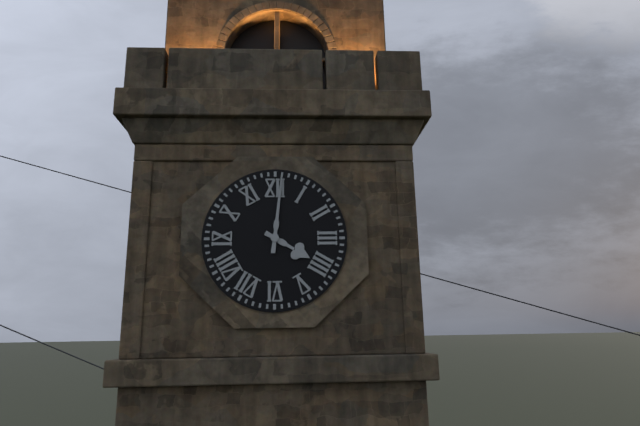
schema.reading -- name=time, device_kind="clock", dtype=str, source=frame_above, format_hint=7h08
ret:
4h01
